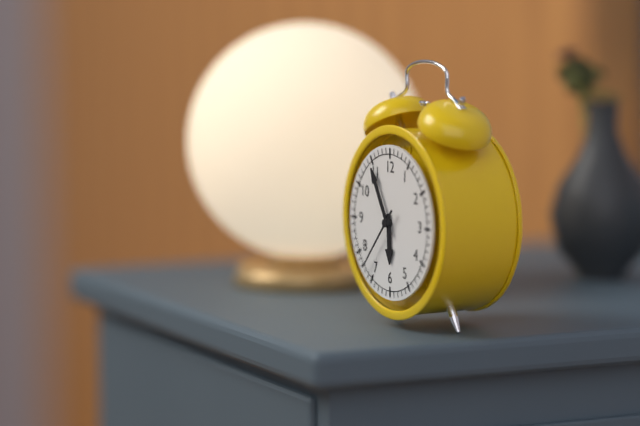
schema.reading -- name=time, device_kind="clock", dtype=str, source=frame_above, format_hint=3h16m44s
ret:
5h55m37s
